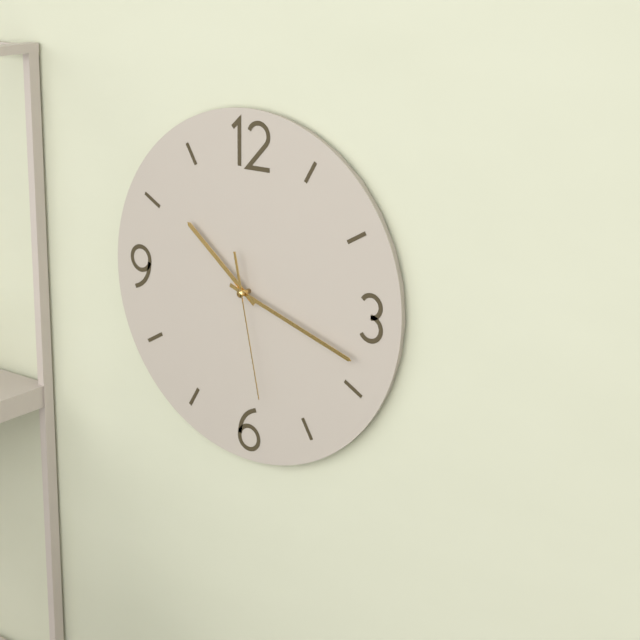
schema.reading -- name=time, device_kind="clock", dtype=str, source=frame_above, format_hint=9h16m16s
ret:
10h18m28s
